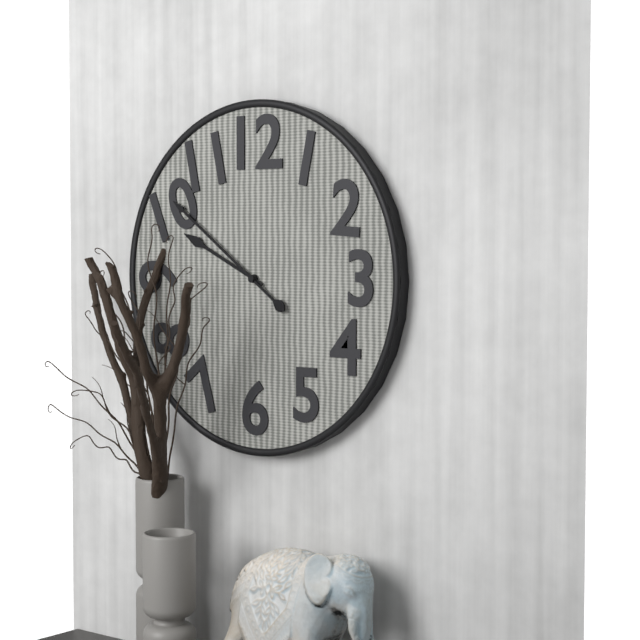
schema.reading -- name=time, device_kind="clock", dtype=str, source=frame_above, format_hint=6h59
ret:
9h51
